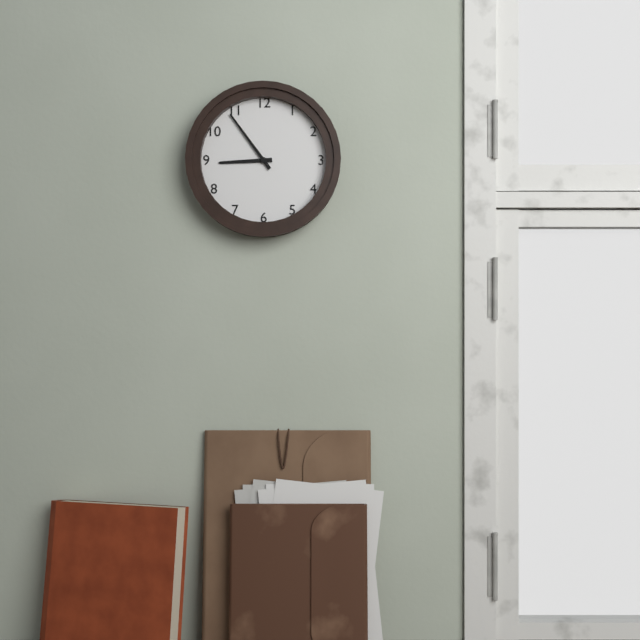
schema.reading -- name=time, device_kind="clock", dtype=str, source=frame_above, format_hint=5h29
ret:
8h54
